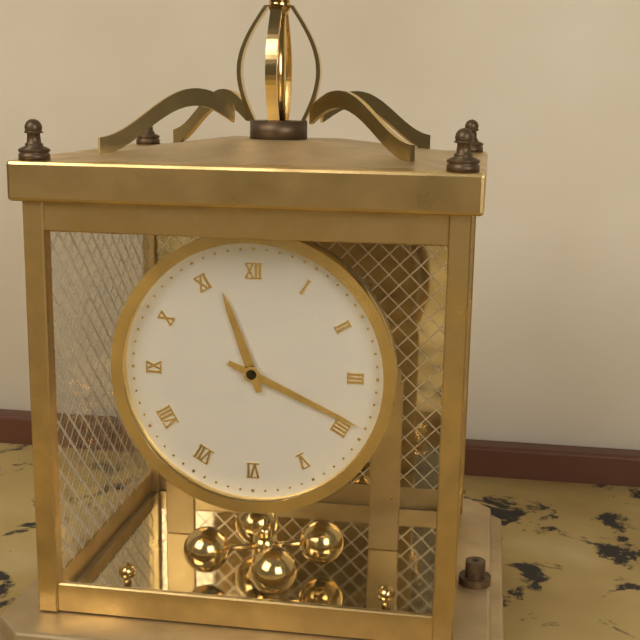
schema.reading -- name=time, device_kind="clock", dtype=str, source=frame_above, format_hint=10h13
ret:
11h19
